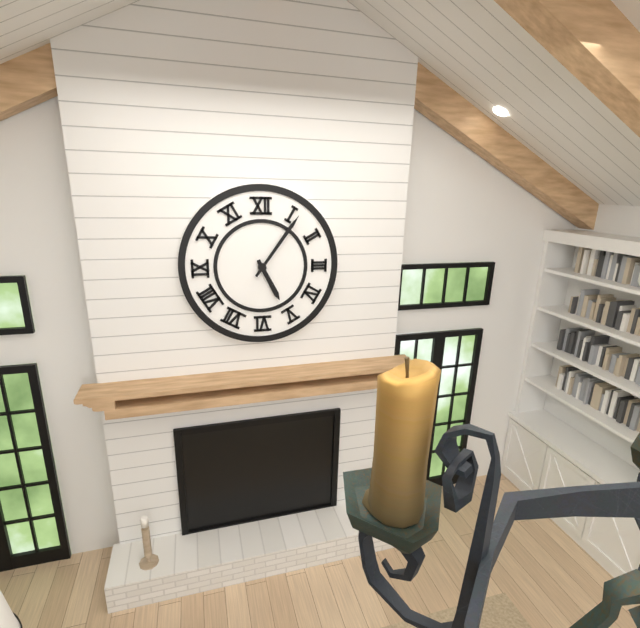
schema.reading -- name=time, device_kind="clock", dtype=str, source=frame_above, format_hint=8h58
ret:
5h06
